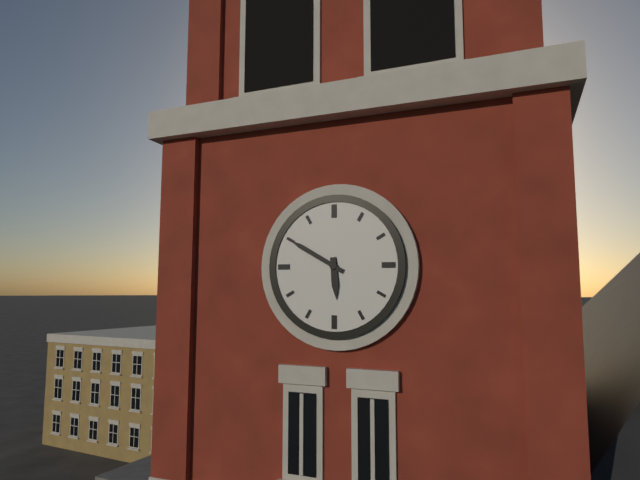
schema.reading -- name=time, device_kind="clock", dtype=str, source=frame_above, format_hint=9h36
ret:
5h50
